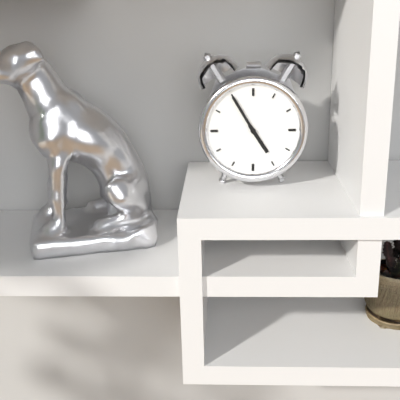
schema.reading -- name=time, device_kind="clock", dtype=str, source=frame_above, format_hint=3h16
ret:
4h55
